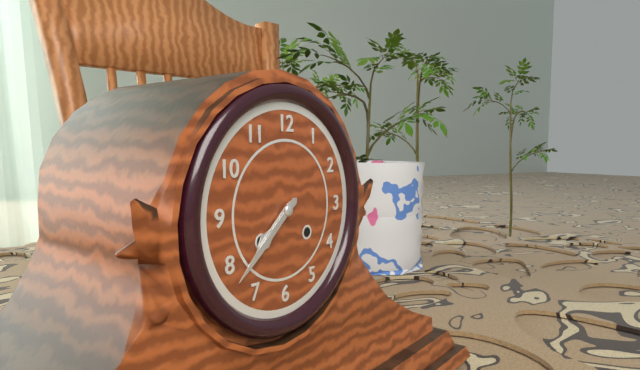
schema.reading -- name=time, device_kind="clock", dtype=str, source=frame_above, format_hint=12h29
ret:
7h38
